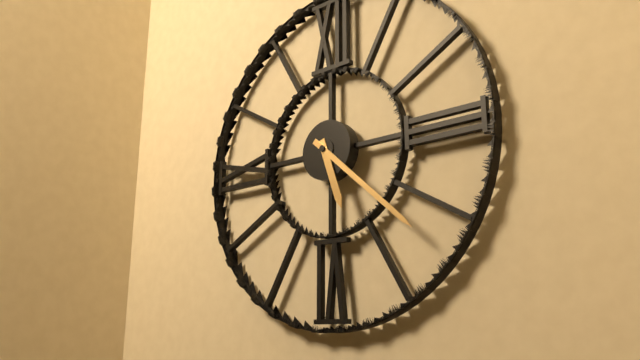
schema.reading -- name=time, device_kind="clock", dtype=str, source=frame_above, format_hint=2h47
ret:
5h22
